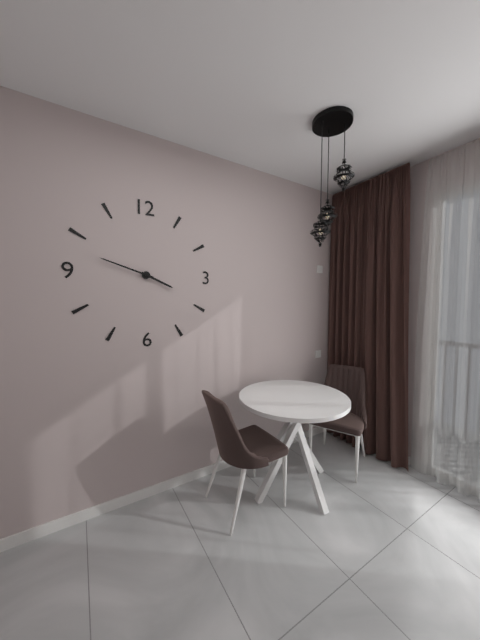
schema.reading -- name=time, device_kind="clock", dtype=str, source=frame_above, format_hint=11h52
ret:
3h48
